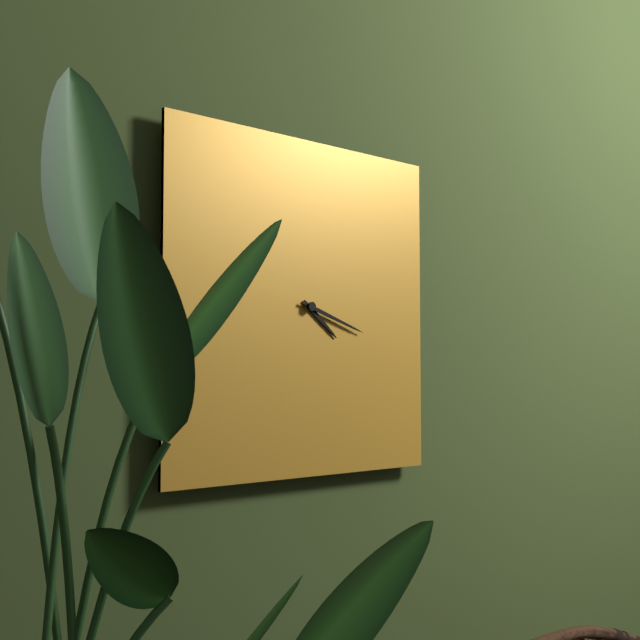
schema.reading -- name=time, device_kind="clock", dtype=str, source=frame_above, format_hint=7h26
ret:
4h18
